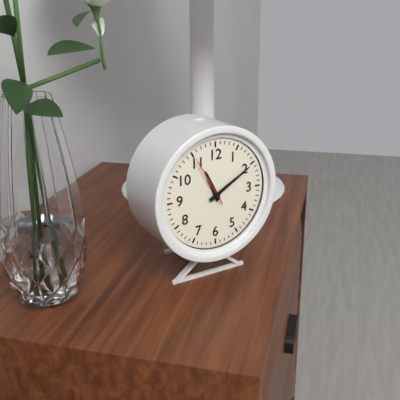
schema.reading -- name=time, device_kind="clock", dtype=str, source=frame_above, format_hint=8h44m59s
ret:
11h10m55s
